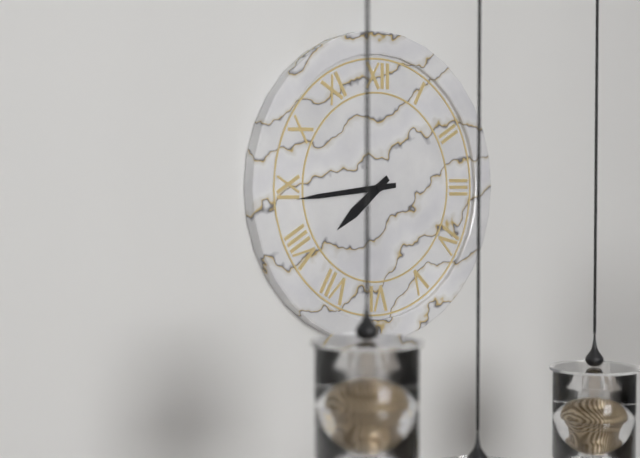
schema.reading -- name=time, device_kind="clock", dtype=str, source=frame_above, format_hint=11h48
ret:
7h44
